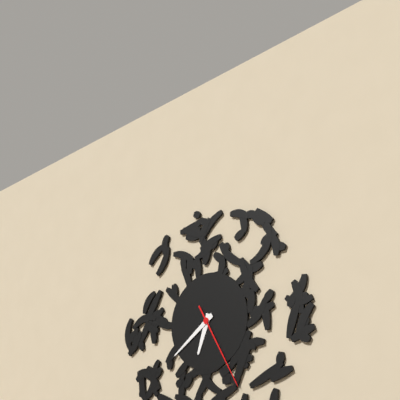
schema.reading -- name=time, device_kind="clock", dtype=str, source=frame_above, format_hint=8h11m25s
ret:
6h39m25s
